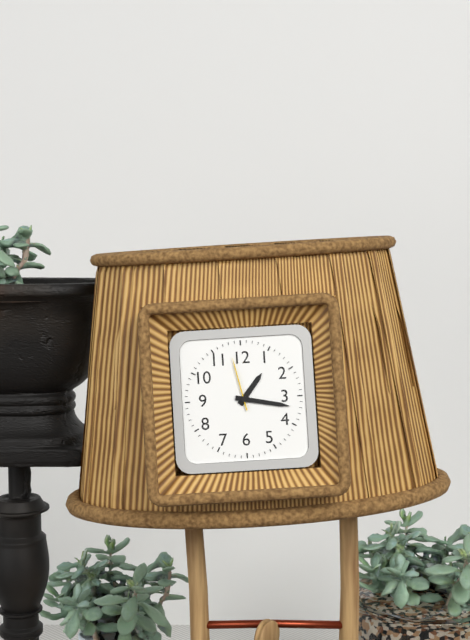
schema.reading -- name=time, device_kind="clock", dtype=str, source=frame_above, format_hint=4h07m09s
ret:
1h17m58s
